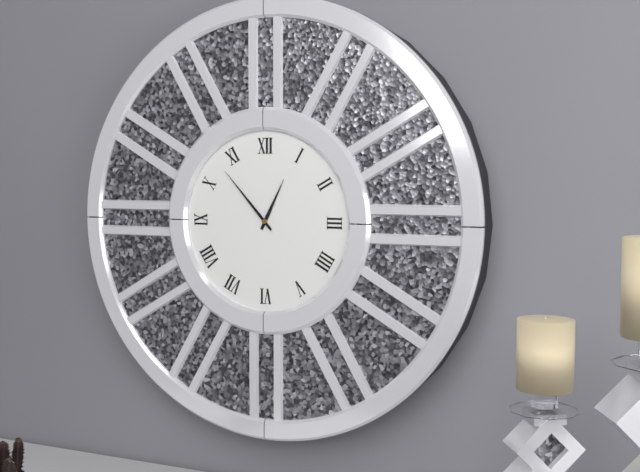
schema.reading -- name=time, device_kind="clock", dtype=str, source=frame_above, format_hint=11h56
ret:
12h53
